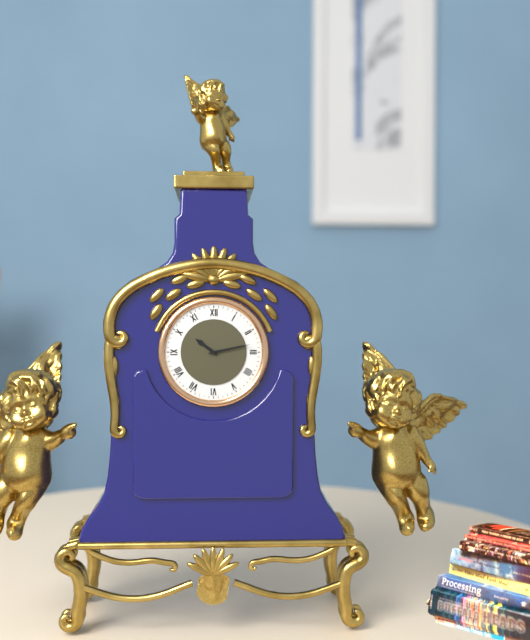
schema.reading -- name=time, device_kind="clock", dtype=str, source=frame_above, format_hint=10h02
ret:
10h13
